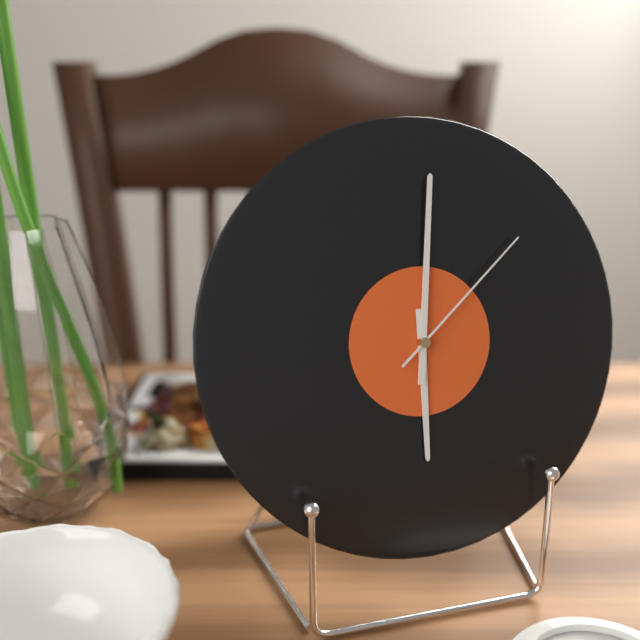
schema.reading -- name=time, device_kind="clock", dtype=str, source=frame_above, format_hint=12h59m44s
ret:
6h01m08s
